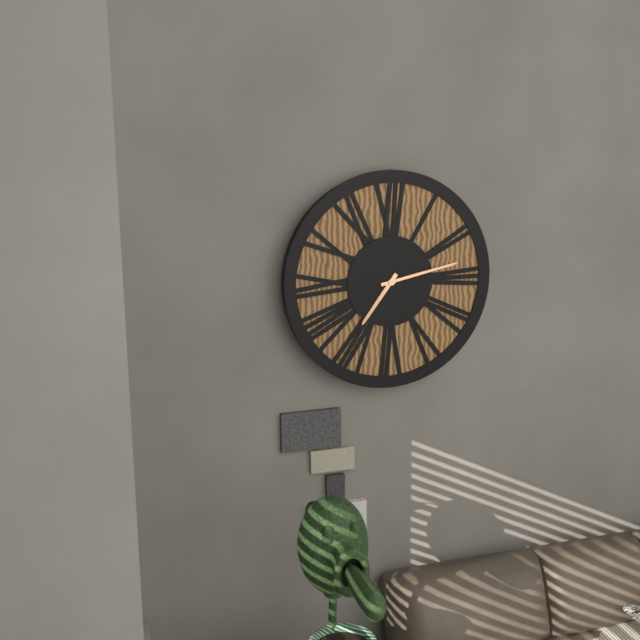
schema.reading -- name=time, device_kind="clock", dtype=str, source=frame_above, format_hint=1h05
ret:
7h13
